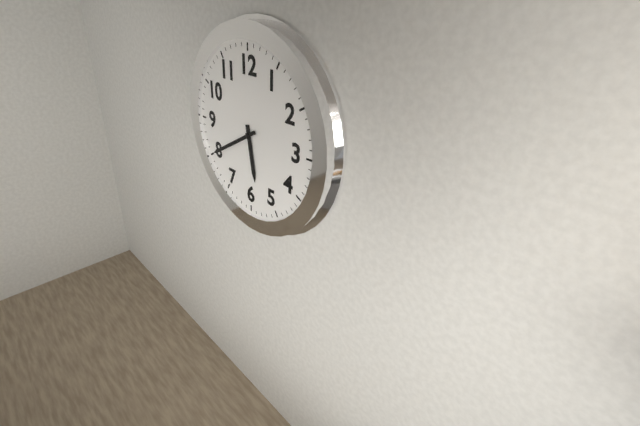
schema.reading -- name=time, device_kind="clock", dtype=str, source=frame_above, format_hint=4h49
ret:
5h40
